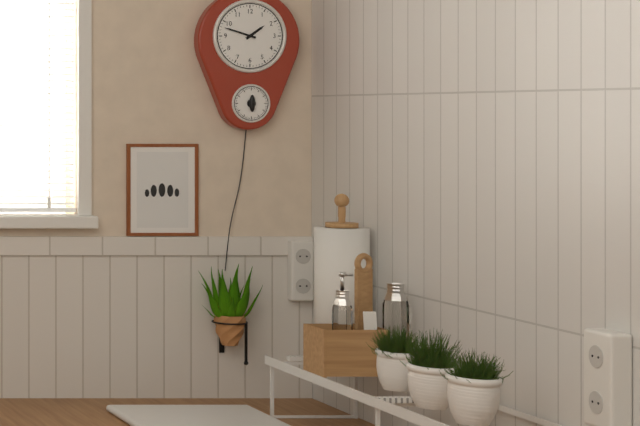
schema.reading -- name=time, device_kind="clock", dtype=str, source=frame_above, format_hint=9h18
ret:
1h48
